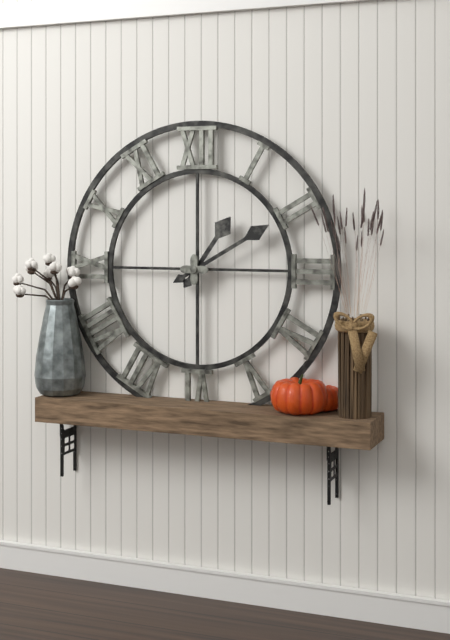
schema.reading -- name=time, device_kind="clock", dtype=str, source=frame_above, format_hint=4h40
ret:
1h10
